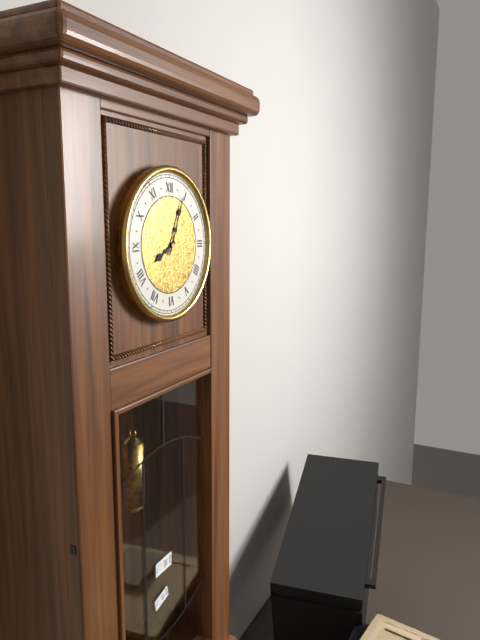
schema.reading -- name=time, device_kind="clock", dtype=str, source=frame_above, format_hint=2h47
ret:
8h04
